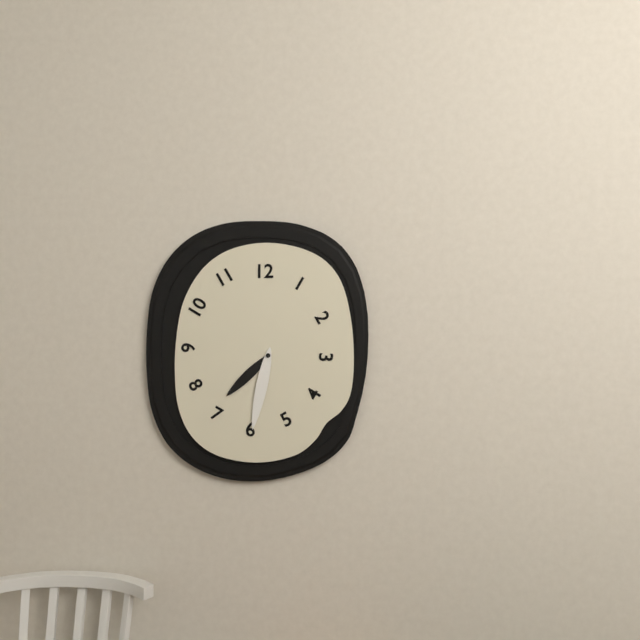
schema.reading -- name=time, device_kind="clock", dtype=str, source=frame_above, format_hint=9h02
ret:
7h32
